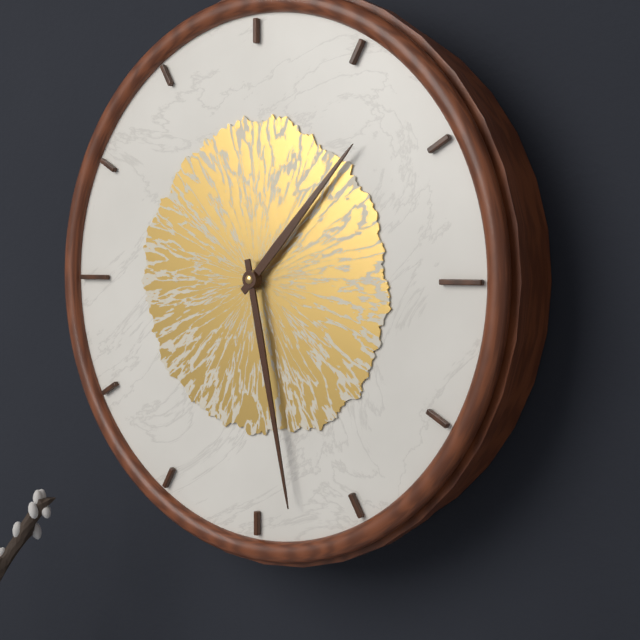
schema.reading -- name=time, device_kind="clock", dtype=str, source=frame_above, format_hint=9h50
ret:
1h28
